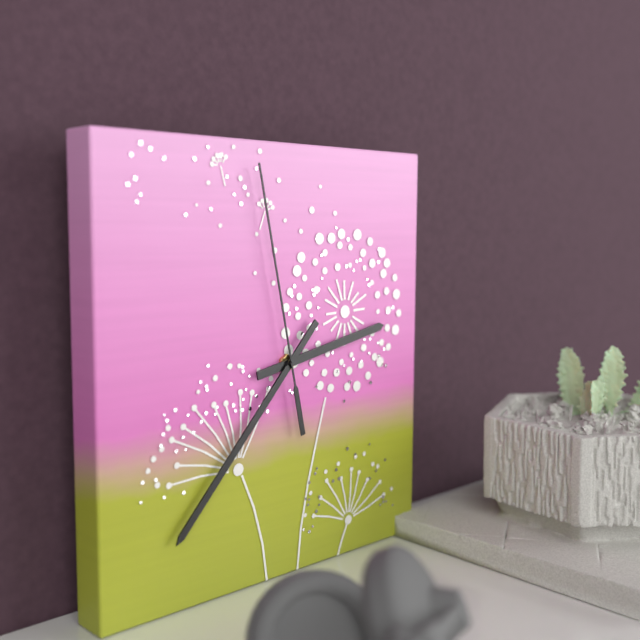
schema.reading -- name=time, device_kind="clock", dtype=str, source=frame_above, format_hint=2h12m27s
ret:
2h37m58s
